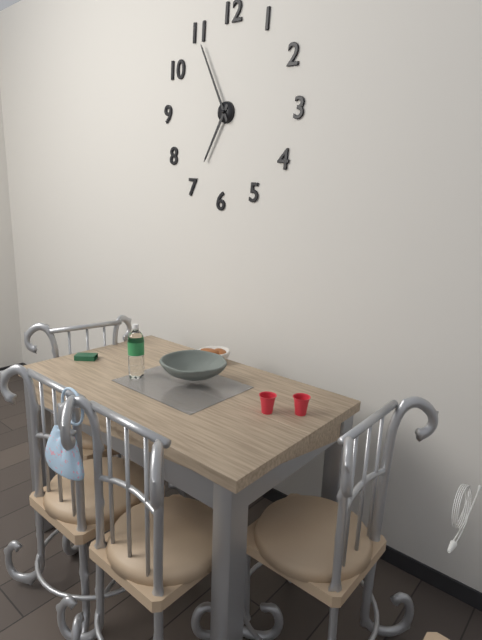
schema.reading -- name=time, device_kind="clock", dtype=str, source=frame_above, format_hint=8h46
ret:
6h55
